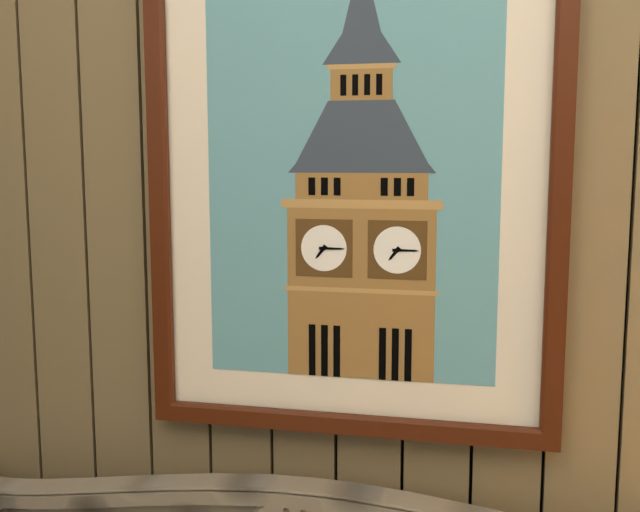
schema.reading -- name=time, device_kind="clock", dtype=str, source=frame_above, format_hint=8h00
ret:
7h15
